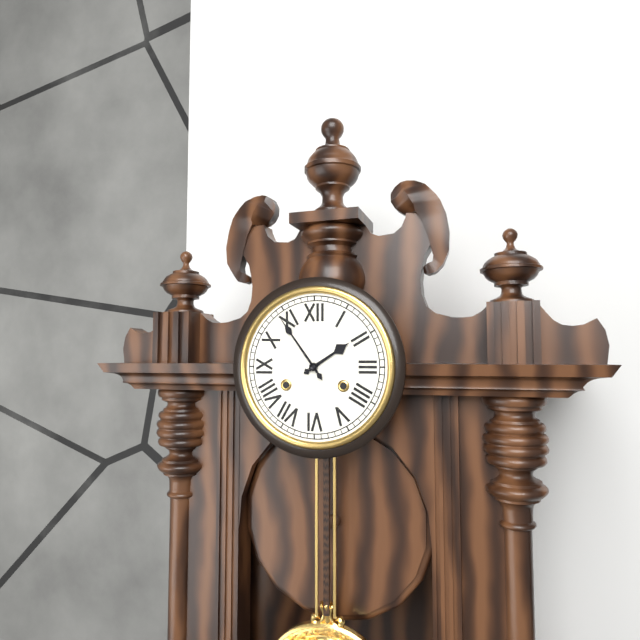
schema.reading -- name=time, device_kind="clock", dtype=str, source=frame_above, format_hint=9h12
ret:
1h54
